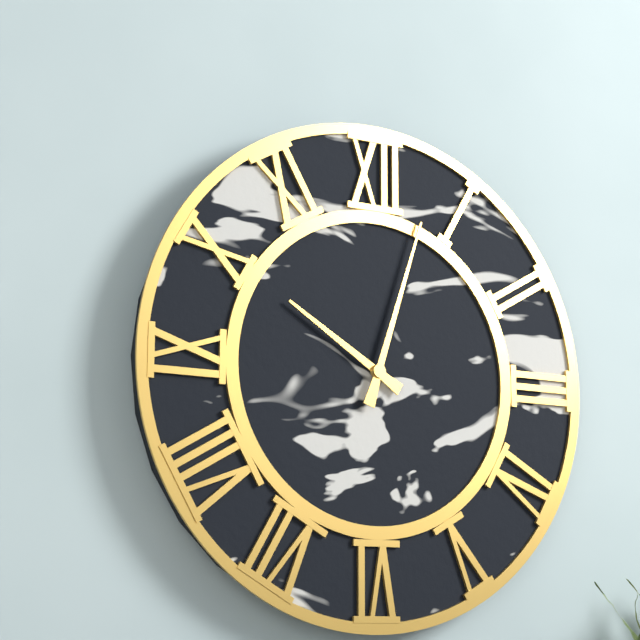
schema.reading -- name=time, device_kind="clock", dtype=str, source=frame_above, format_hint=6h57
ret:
10h03
